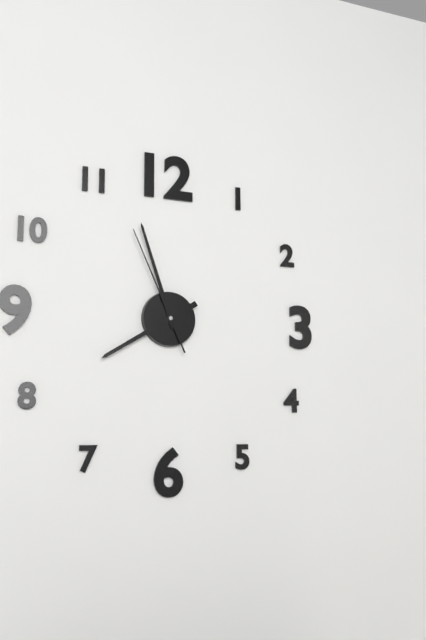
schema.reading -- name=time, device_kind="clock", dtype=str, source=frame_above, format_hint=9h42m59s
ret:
7h57m56s
